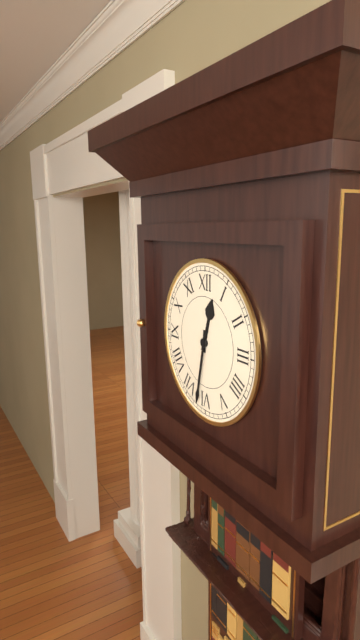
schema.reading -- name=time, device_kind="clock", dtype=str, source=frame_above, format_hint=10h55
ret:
12h32
